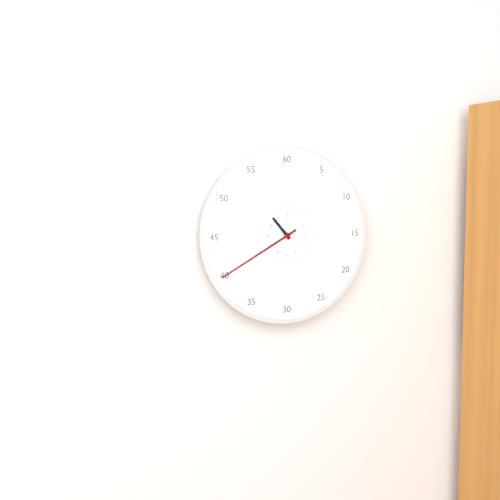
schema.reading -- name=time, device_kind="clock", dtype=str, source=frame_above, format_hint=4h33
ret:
10h40
